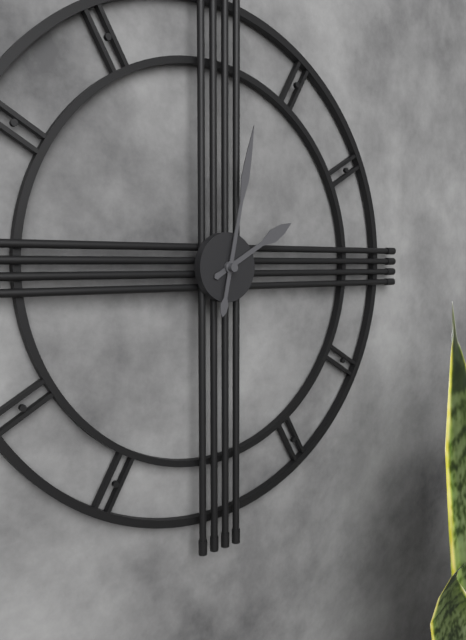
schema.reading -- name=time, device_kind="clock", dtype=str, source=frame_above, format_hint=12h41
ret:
2h02
